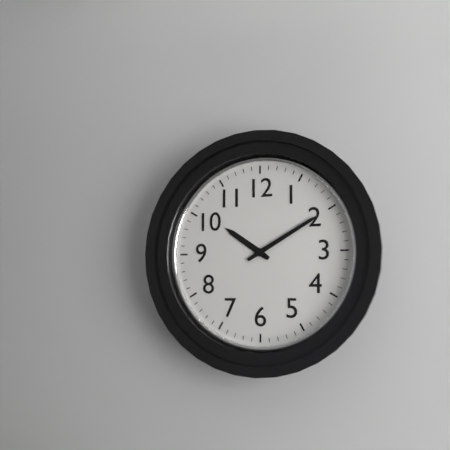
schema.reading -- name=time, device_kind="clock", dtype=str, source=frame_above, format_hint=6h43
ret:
10h10
